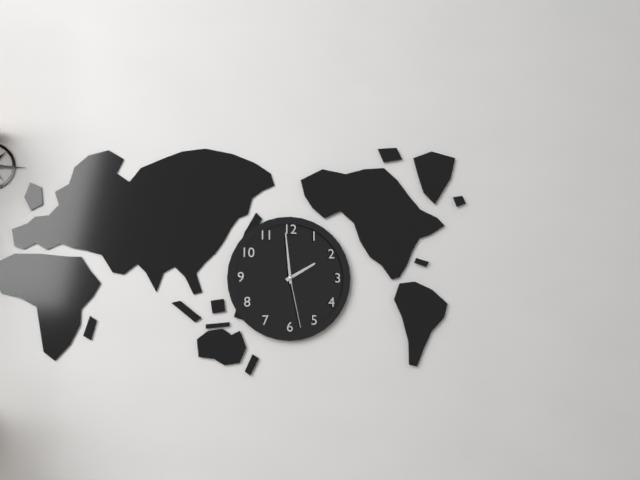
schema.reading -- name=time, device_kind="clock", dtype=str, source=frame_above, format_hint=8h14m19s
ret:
1h59m28s
